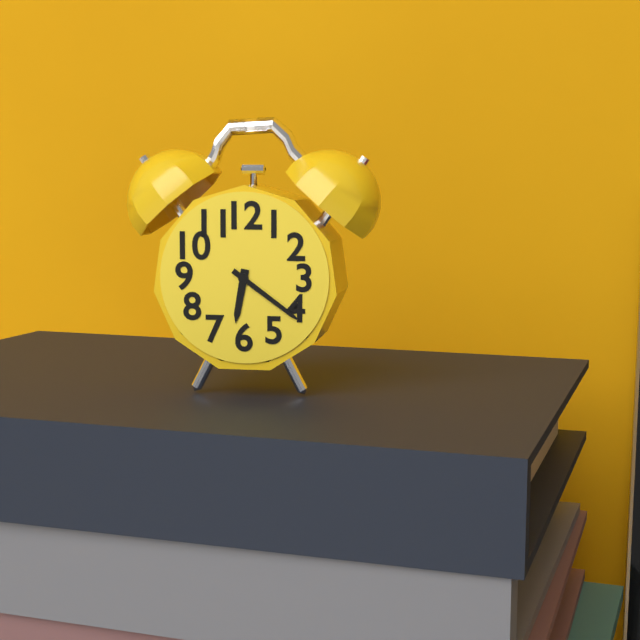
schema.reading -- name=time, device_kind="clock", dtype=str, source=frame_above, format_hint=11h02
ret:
6h21
